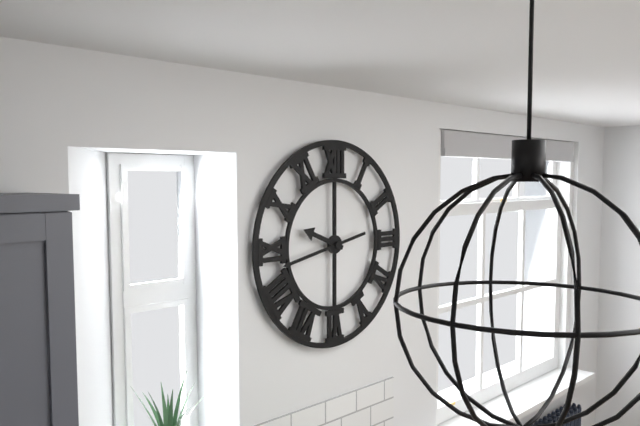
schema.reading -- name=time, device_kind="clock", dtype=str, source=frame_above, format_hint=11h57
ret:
9h43
